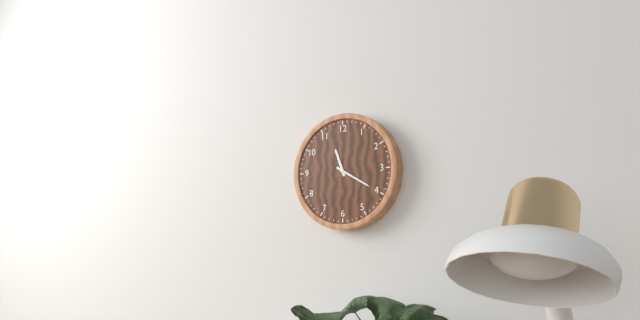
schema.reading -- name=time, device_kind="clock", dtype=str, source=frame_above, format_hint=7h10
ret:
11h20
